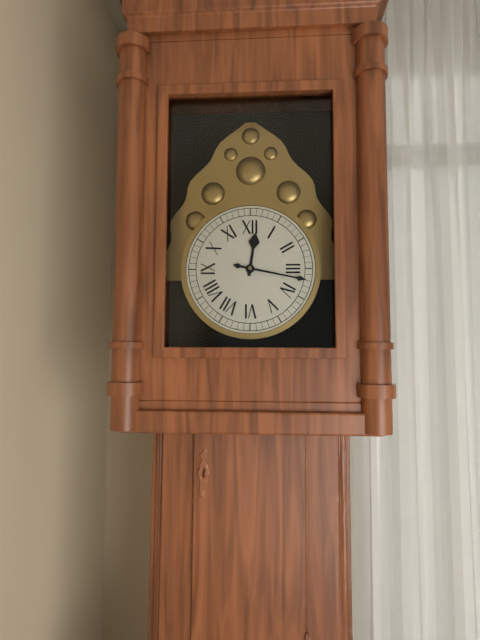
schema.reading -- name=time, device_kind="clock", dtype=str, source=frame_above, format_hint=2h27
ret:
12h17
